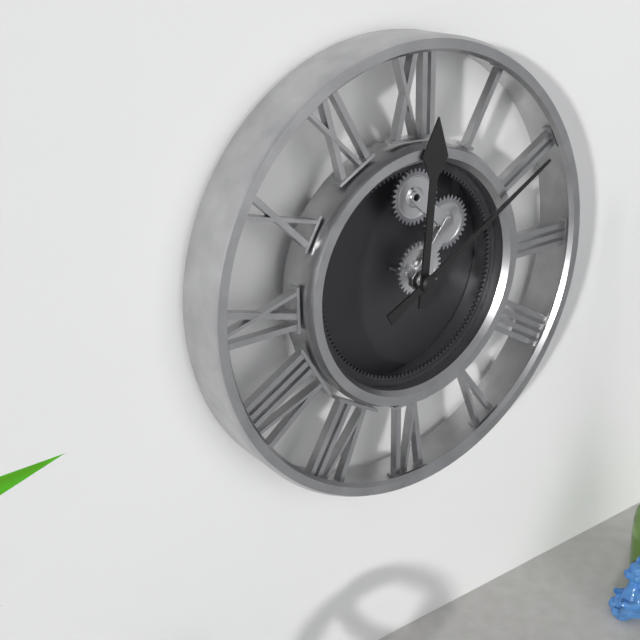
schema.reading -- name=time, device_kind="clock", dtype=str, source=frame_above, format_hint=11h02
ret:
12h10
